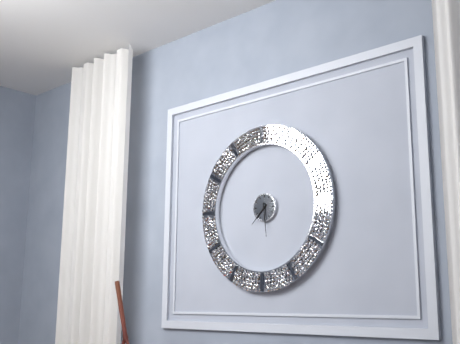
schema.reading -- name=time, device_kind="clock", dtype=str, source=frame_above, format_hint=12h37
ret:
7h29
